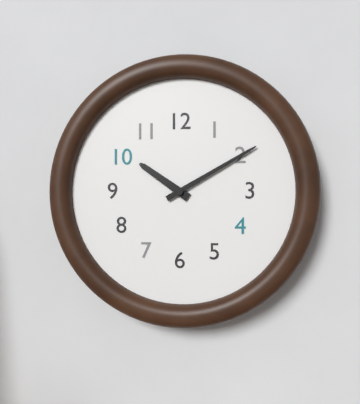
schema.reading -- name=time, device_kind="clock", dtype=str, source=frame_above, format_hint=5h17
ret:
10h10
